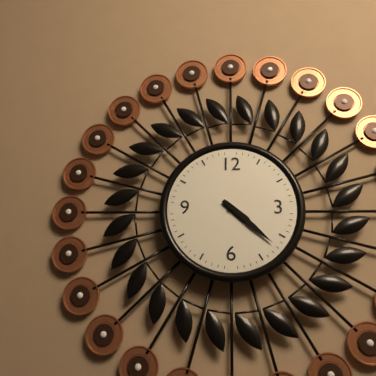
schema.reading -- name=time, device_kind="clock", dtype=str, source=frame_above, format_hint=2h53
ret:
4h22
